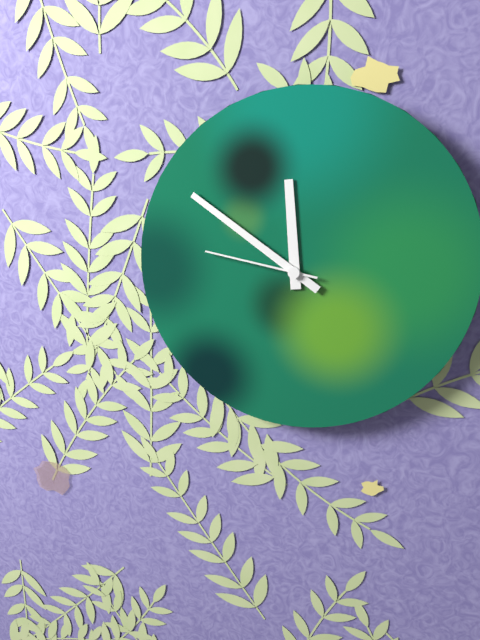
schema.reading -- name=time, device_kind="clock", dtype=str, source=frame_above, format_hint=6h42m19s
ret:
11h51m47s
